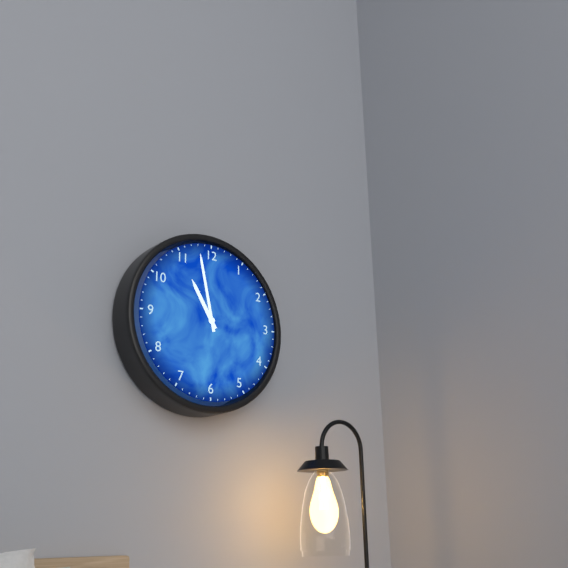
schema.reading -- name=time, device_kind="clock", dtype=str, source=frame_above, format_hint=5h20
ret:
10h58
